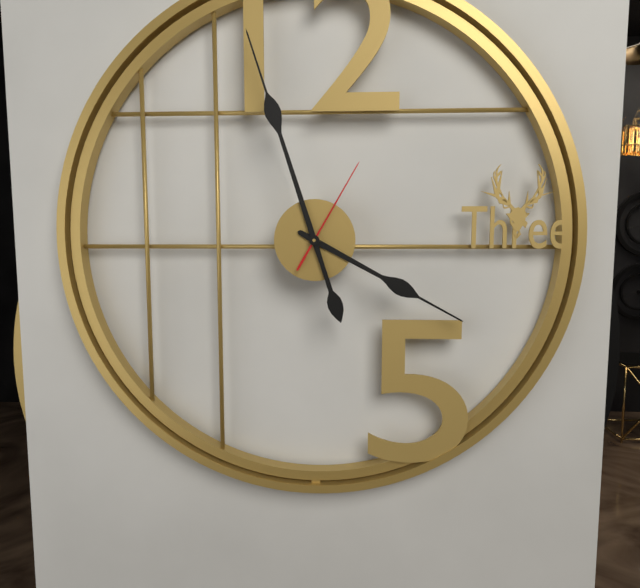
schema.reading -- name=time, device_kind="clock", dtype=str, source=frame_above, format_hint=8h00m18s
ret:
3h57m05s
